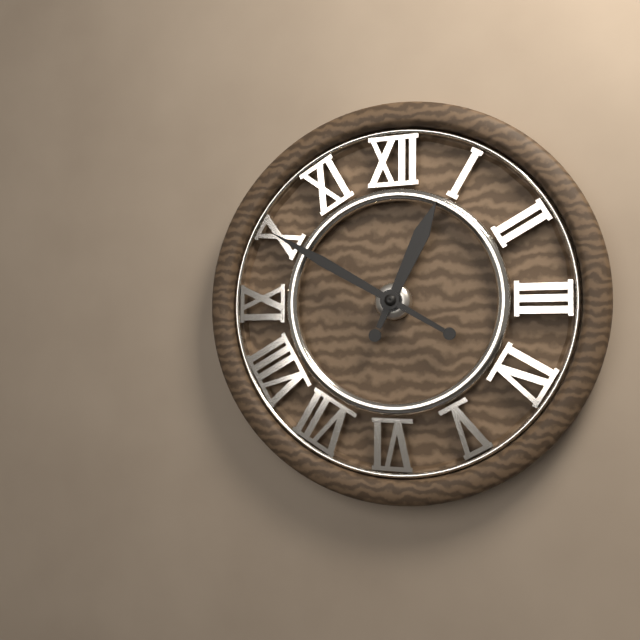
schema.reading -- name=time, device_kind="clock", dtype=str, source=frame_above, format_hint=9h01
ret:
12h50
